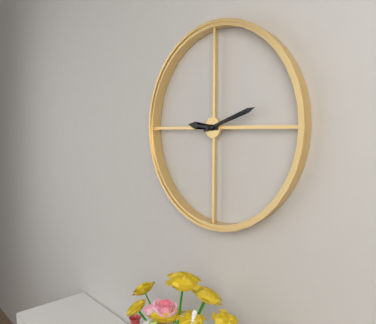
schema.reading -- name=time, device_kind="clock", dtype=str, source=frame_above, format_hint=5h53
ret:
9h12
